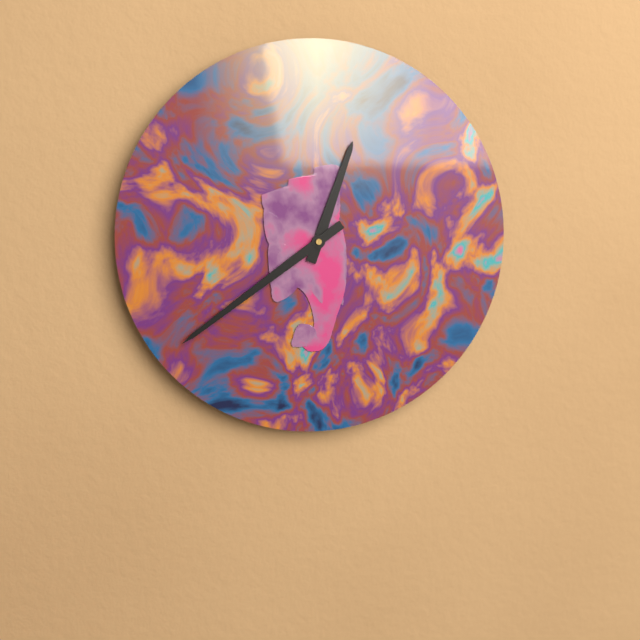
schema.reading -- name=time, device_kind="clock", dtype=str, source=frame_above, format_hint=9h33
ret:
12h39
